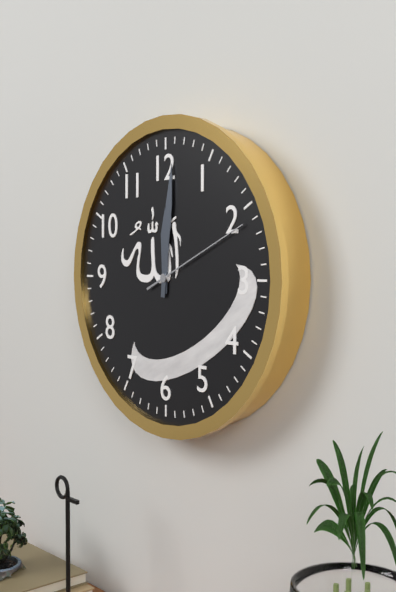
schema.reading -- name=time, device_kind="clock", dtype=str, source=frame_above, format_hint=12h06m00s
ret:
12h01m11s
